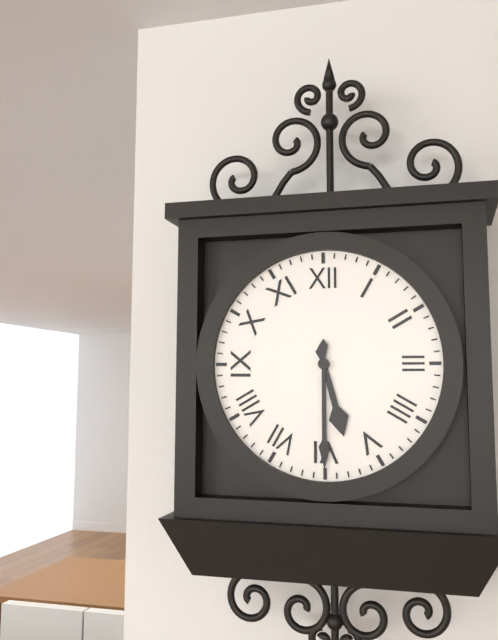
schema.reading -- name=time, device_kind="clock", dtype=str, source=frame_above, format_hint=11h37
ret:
5h30
